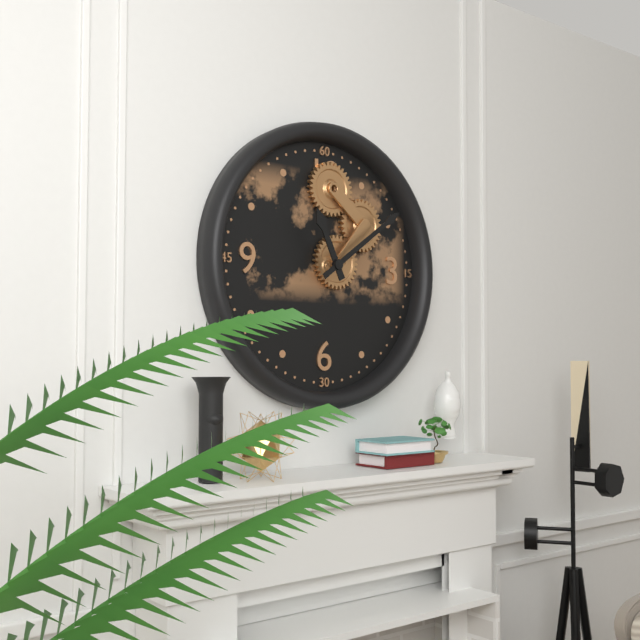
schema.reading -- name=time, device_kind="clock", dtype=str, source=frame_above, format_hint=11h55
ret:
11h09
